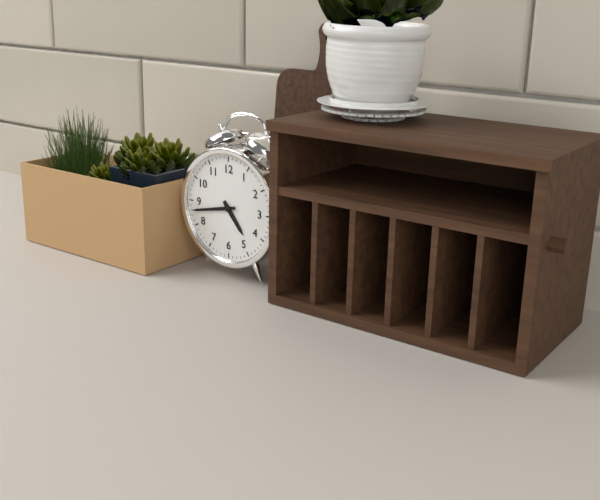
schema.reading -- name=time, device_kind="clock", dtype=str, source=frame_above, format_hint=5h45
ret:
4h43
